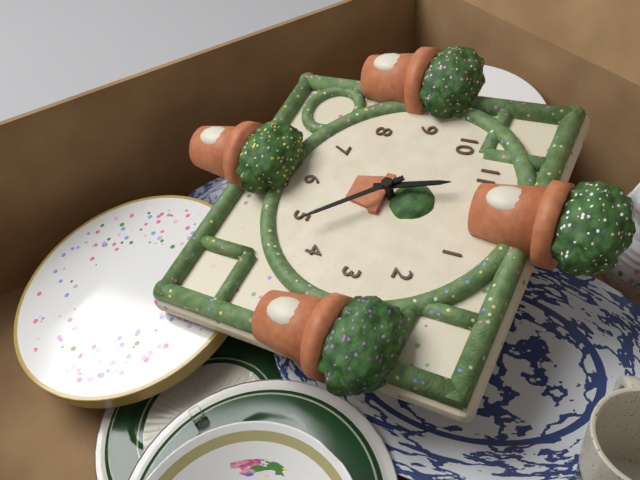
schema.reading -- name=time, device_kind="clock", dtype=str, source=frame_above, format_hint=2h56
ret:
11h23
